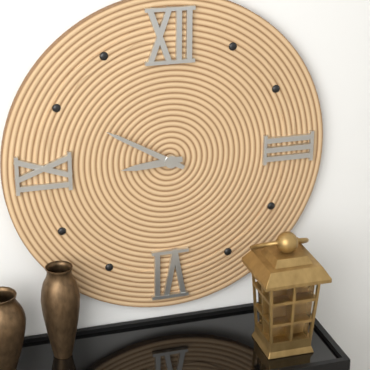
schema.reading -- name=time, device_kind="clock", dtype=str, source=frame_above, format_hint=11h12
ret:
8h50
